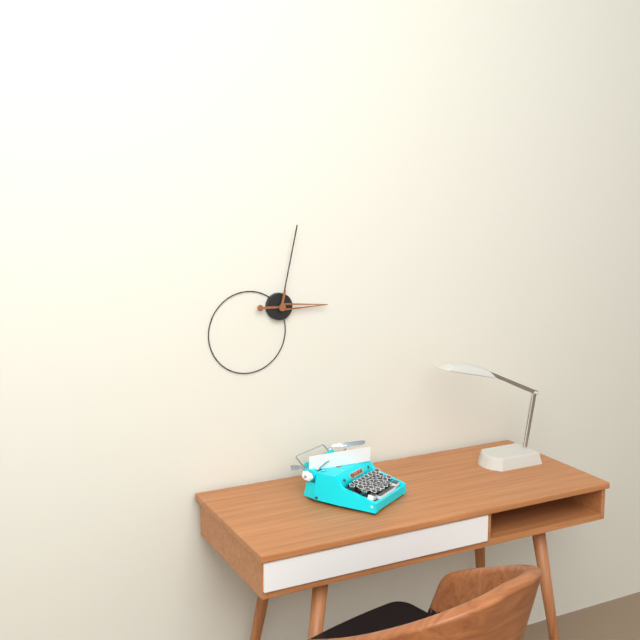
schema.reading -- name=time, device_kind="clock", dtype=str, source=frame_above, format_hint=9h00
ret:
3h02
